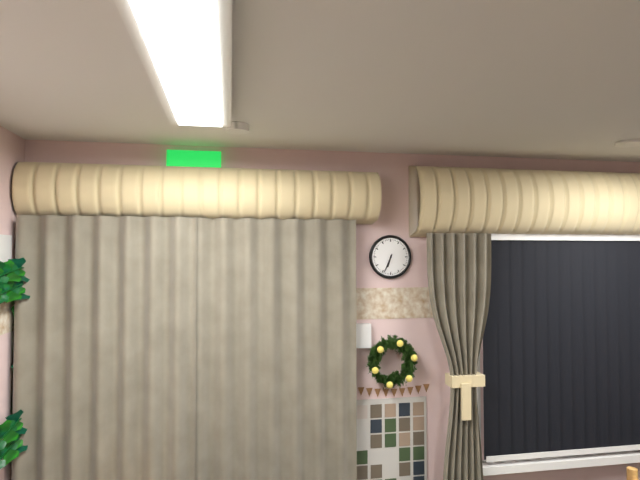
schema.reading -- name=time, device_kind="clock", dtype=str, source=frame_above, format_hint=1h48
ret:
6h34
